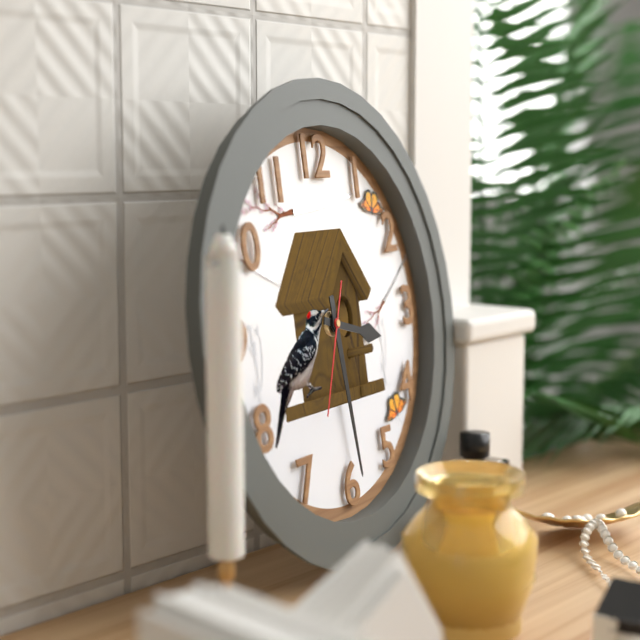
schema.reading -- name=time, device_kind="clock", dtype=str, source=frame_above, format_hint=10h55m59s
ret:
3h29m34s
